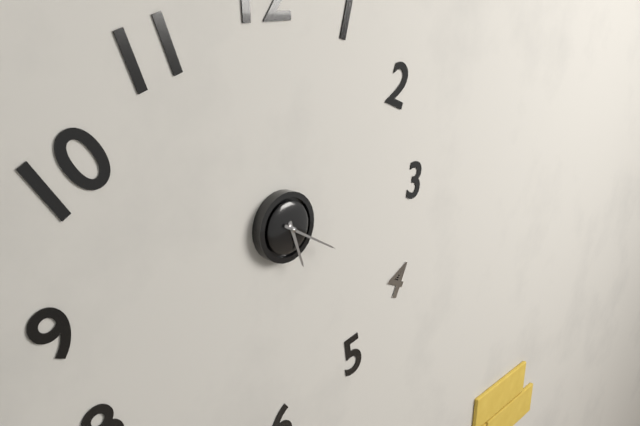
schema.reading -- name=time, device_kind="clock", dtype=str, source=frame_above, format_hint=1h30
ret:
5h20
